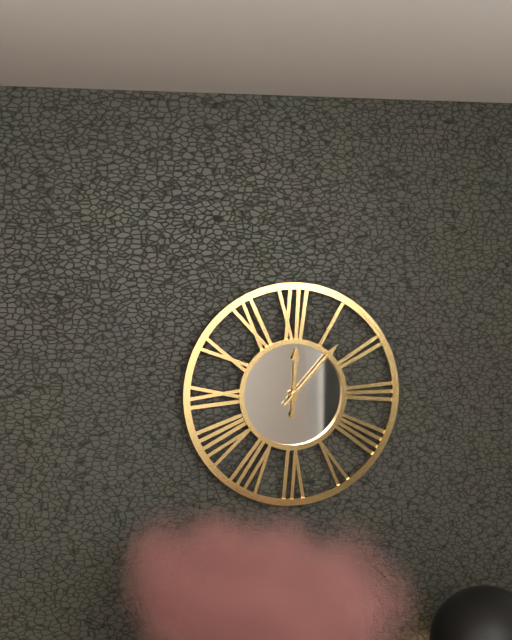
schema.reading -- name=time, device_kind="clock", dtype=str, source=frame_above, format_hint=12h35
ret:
12h07
